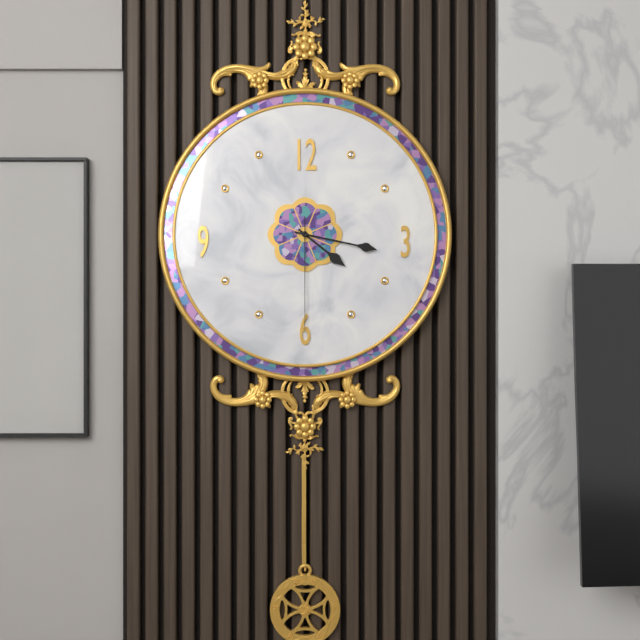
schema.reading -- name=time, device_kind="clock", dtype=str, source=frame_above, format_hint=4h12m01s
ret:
4h17m30s
